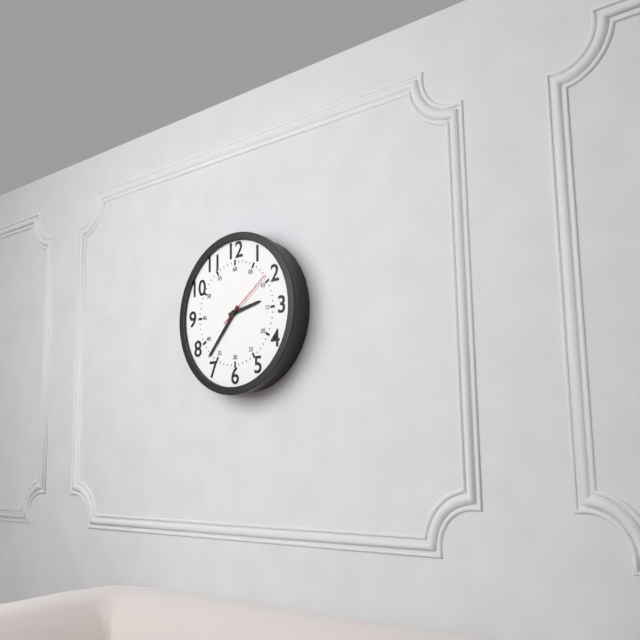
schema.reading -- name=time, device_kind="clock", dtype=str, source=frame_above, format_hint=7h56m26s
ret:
2h37m09s
